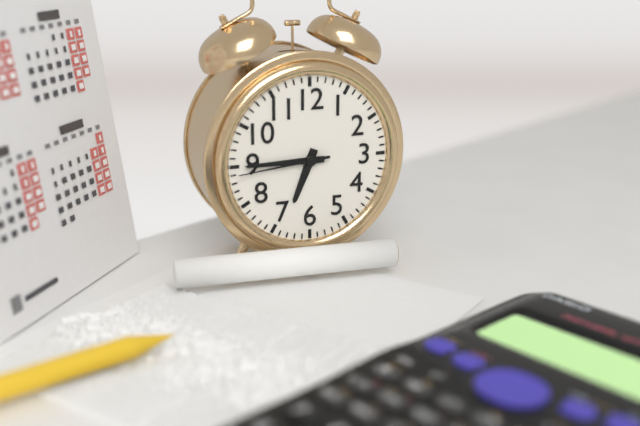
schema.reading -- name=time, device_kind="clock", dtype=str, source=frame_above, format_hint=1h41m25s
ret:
6h45m44s
